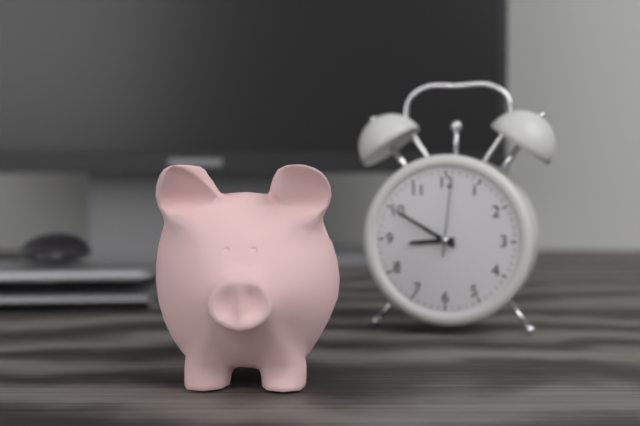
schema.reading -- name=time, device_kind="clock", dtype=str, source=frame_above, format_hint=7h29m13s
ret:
8h50m01s
